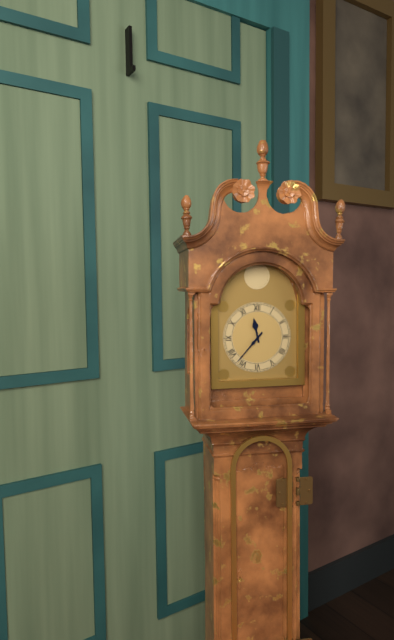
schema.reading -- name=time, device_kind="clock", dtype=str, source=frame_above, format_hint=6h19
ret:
11h37
